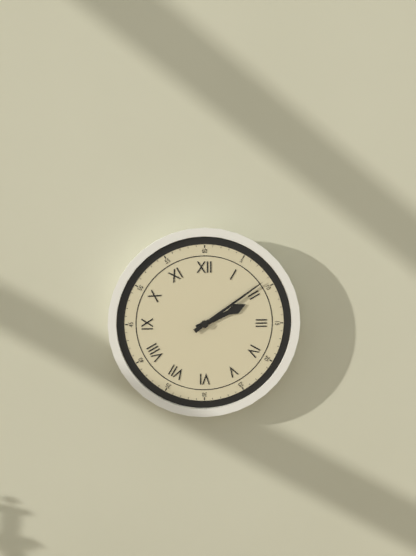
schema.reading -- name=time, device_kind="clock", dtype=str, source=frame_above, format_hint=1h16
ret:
2h09
